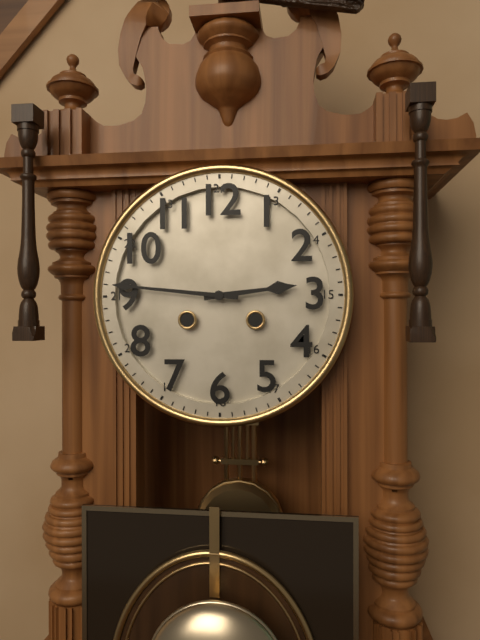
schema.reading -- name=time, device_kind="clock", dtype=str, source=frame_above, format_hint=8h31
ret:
2h46
